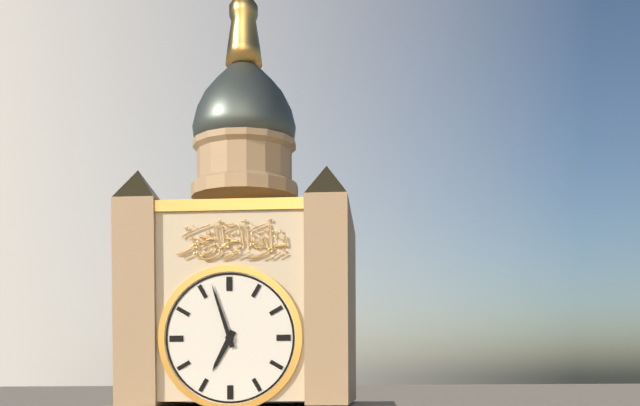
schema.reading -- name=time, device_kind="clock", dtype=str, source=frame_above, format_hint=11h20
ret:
6h57
